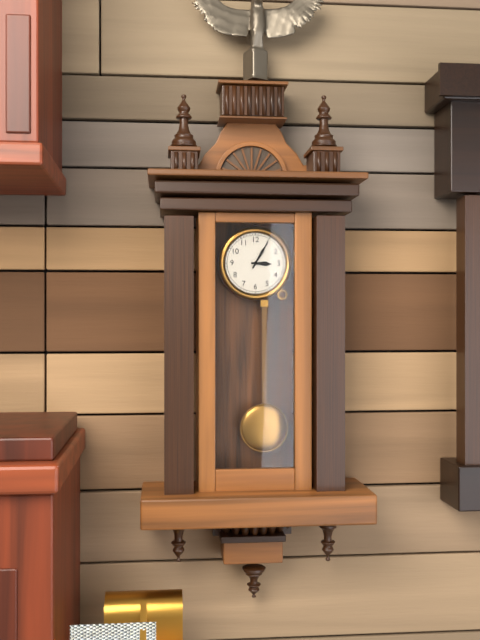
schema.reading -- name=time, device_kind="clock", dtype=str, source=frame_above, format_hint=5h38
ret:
3h05
